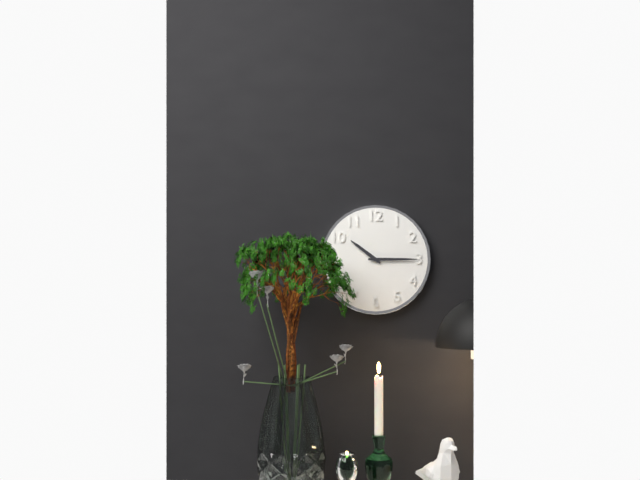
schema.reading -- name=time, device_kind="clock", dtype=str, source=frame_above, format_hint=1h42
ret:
10h15
